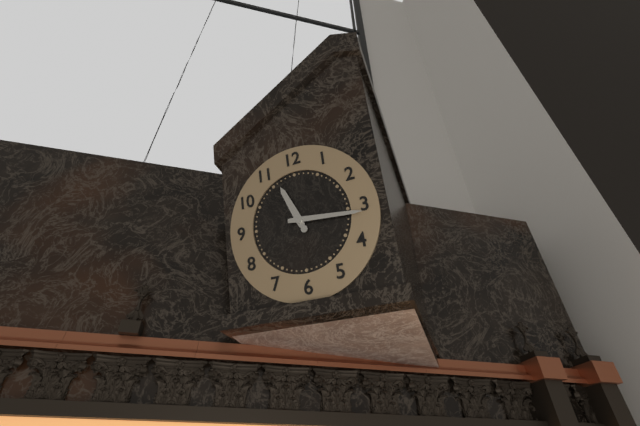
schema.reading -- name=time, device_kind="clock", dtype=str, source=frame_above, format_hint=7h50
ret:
11h16
